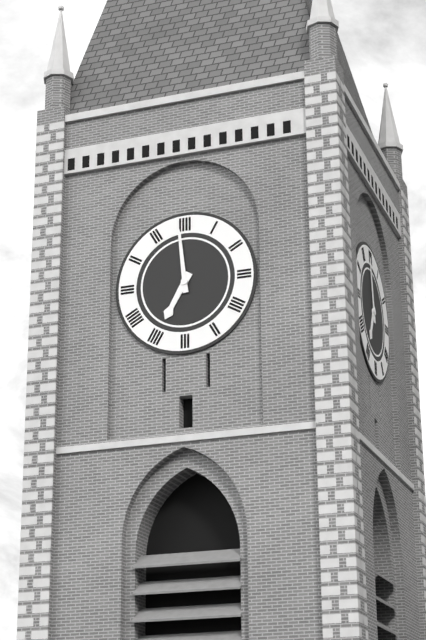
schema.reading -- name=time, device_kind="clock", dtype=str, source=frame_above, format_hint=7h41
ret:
6h59
